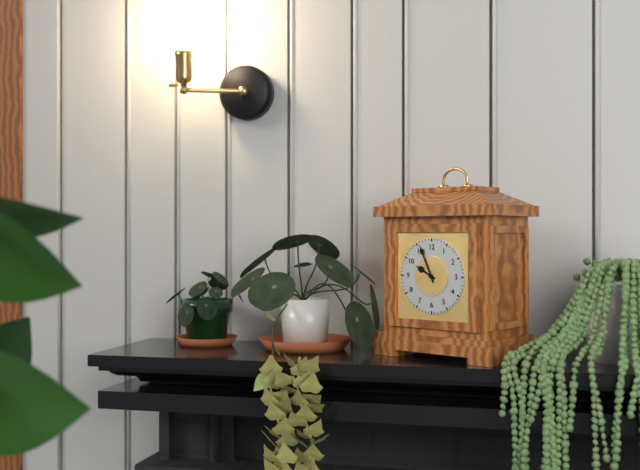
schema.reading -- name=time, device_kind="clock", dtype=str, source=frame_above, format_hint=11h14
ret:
9h56
